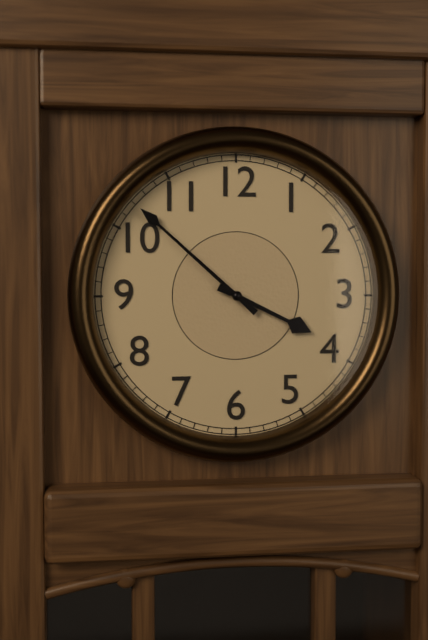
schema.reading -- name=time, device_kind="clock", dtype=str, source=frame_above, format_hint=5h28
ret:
3h52
